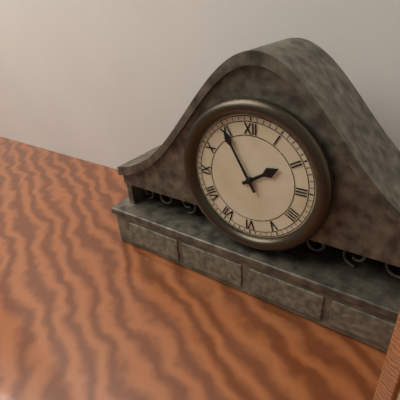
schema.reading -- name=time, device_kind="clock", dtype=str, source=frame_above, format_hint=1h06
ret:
1h55
